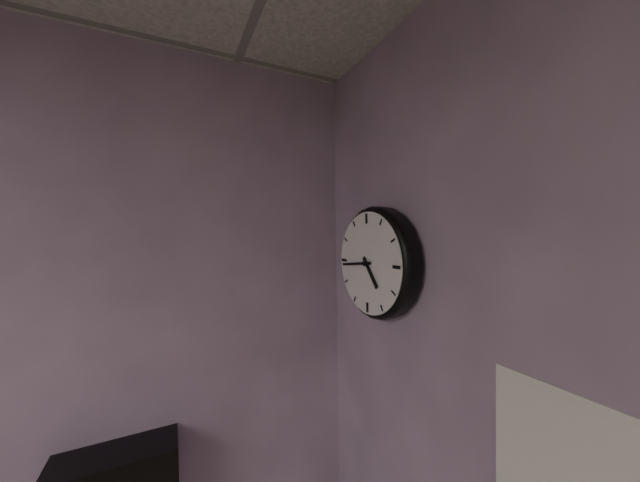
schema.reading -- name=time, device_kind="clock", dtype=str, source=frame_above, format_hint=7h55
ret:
4h44
